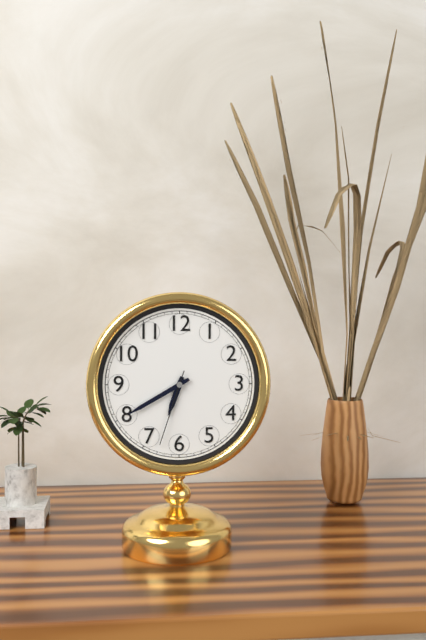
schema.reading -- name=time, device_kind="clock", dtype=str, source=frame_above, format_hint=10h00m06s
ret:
6h40m33s
